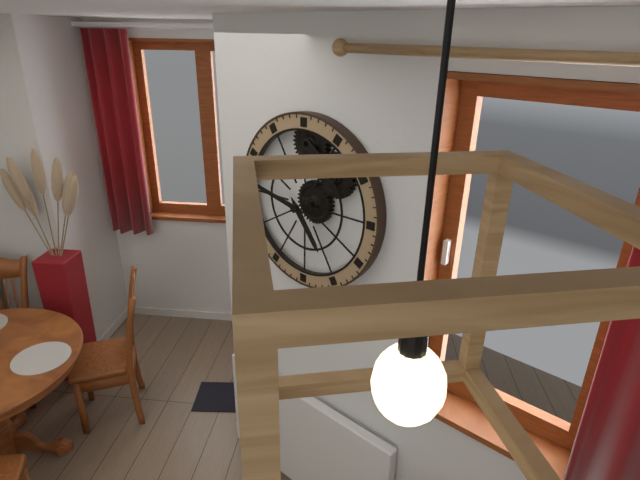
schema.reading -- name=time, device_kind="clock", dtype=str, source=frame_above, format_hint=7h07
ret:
4h47
